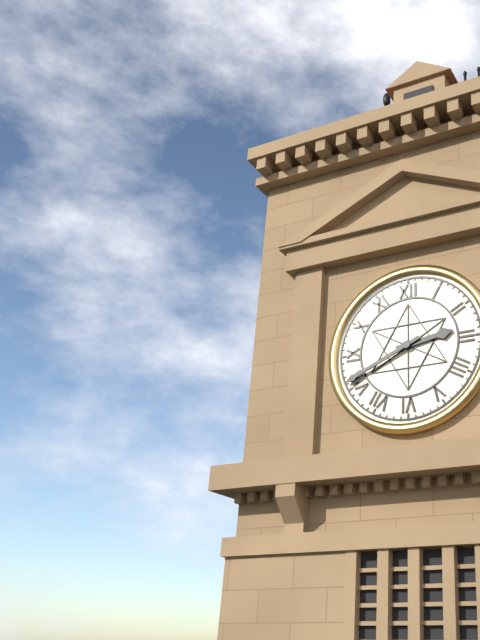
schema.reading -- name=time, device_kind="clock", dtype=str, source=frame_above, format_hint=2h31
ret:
2h41
